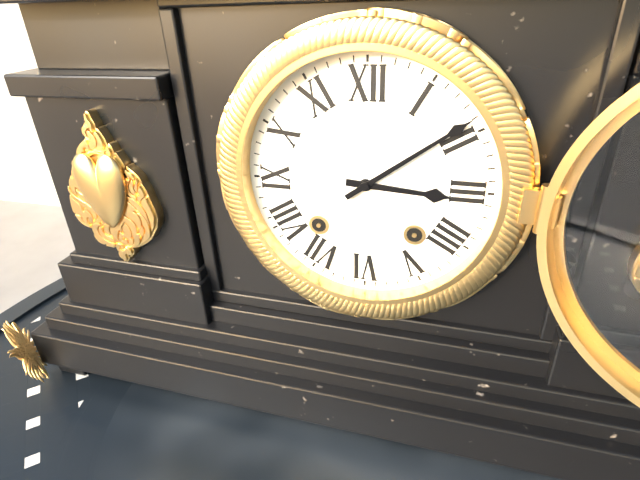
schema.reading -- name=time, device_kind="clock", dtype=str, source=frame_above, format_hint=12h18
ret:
3h09
